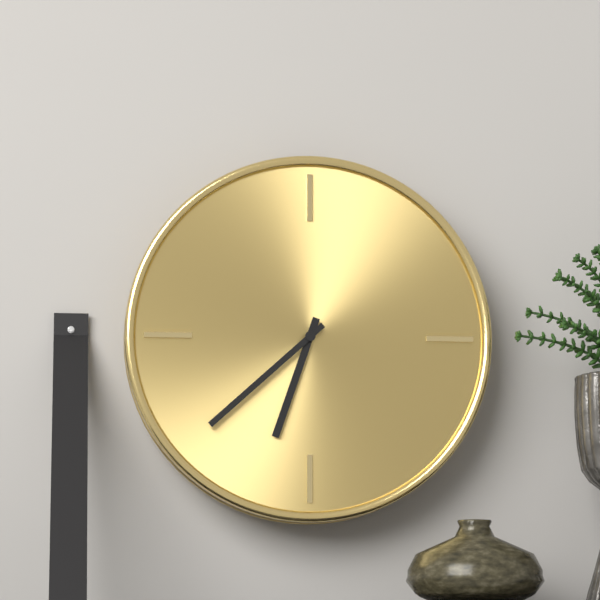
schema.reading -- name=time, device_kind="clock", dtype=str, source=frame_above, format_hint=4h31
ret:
6h38
